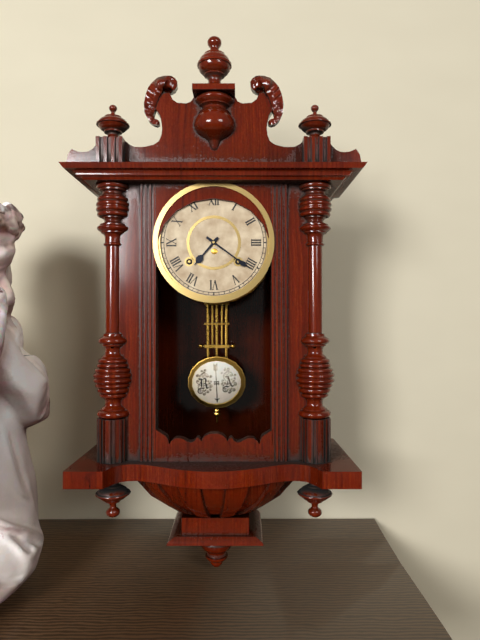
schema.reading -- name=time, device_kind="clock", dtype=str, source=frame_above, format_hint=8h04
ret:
7h21
